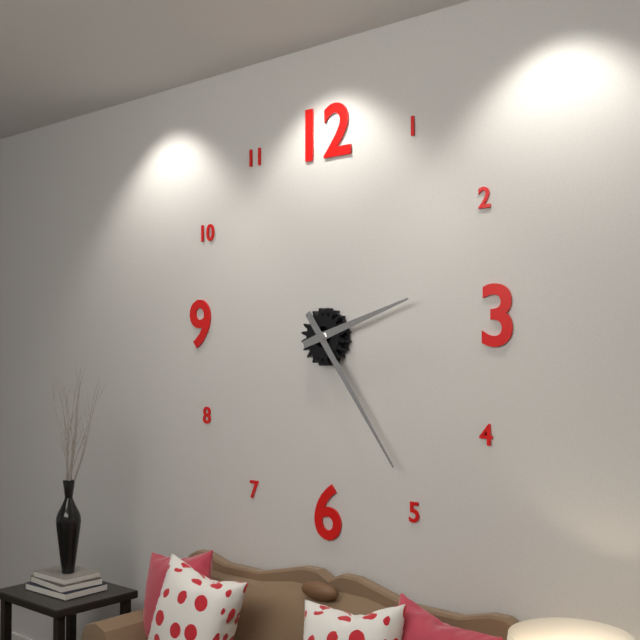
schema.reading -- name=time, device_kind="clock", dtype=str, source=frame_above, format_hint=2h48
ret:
2h24
